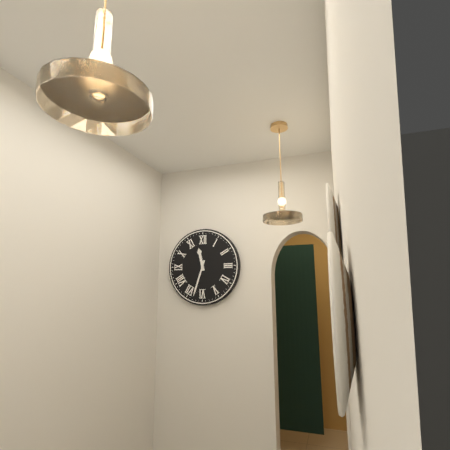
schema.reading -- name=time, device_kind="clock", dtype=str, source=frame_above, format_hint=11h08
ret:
11h33
